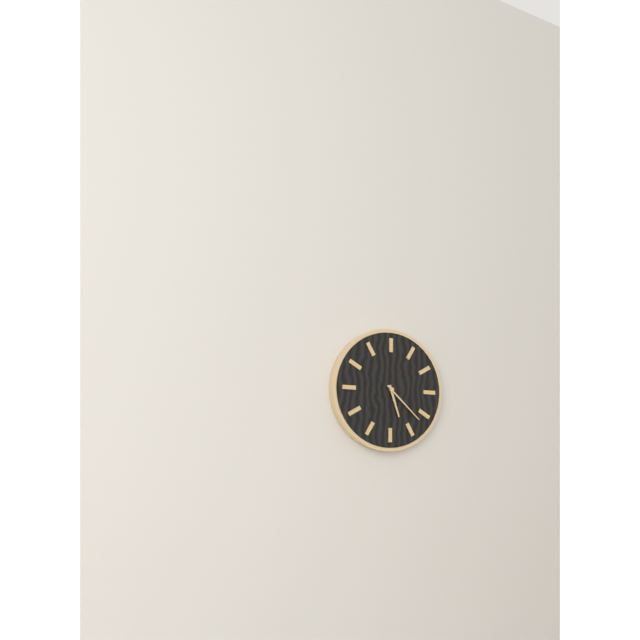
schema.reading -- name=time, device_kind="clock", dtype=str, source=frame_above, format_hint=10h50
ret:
5h22
